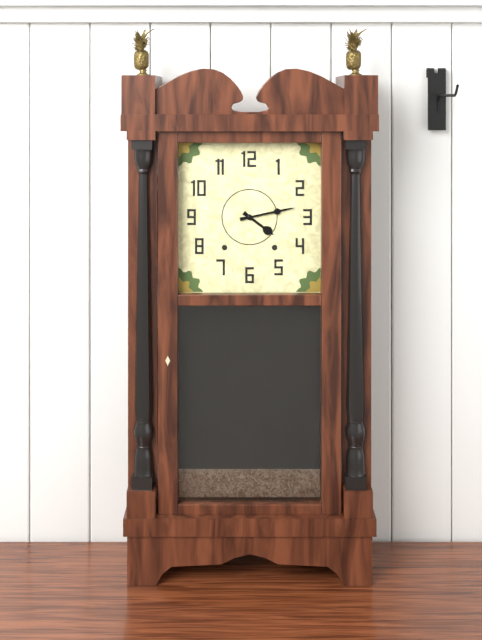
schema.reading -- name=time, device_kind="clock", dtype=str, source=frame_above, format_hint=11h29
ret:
4h13
